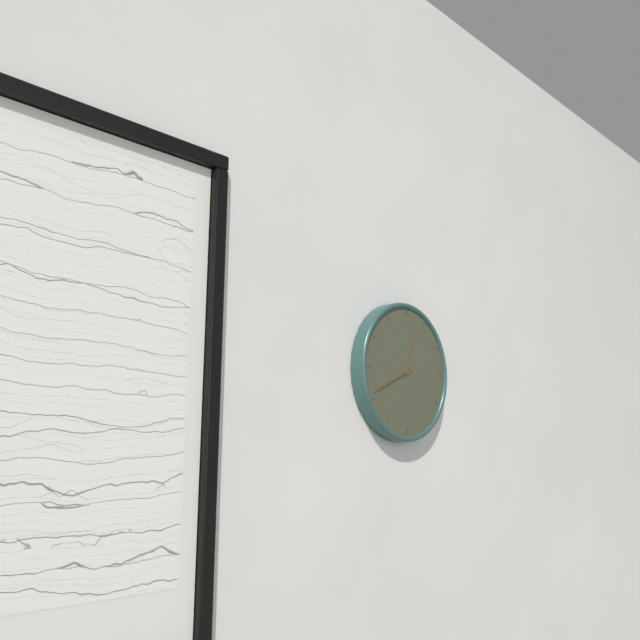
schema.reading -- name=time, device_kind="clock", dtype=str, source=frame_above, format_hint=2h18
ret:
12h41
